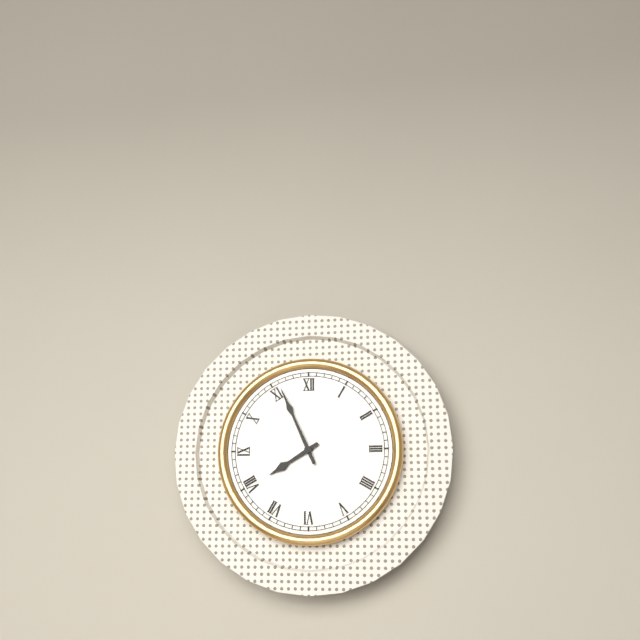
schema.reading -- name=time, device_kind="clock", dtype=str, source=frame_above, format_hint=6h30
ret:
7h56
